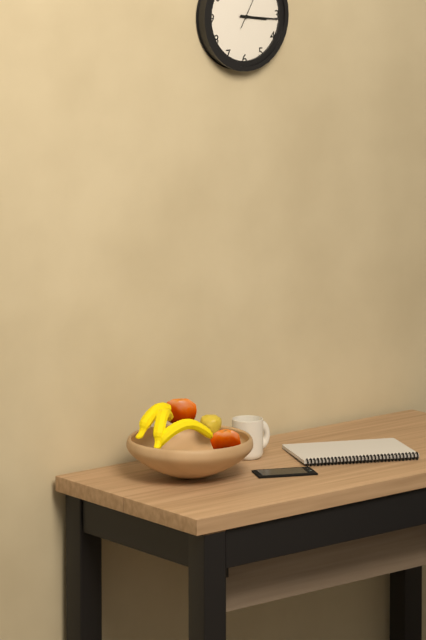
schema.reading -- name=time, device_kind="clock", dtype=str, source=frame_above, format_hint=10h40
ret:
3h16
